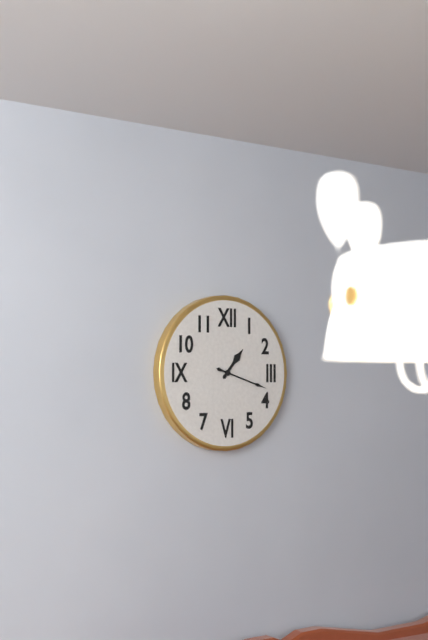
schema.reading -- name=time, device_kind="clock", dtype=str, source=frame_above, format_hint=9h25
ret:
1h18
